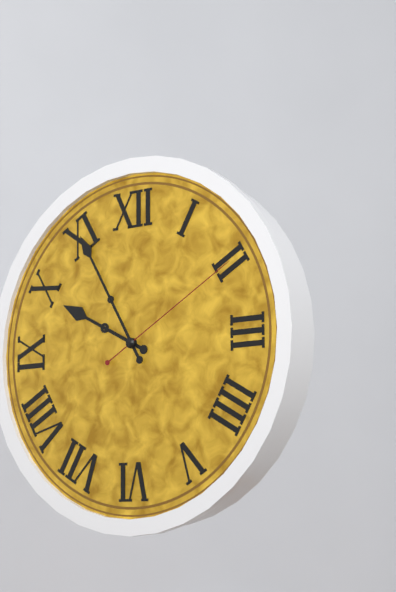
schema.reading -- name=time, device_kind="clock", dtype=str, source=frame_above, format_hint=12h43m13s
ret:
9h55m10s
